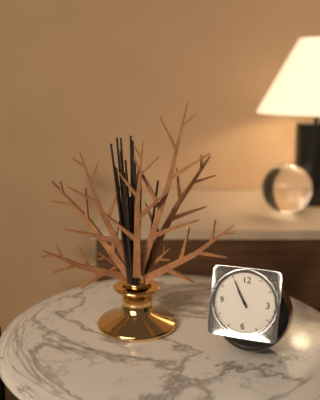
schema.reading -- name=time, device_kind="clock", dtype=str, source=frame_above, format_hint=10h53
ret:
10h55
